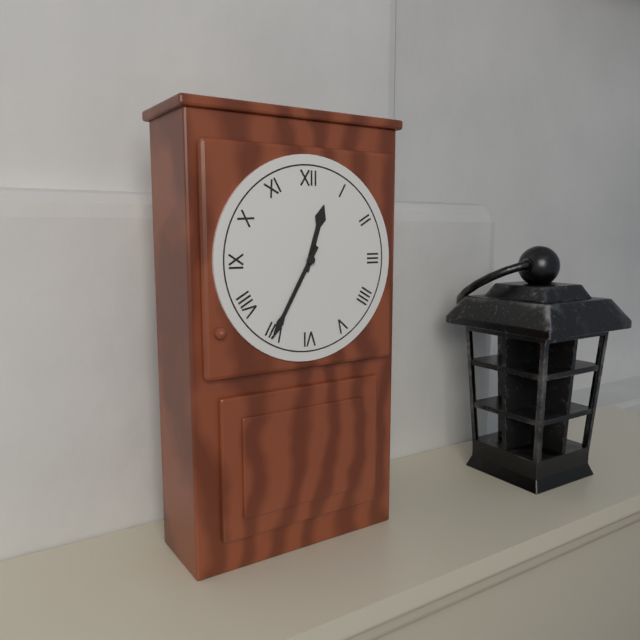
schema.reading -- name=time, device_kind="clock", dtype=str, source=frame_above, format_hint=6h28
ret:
12h35
